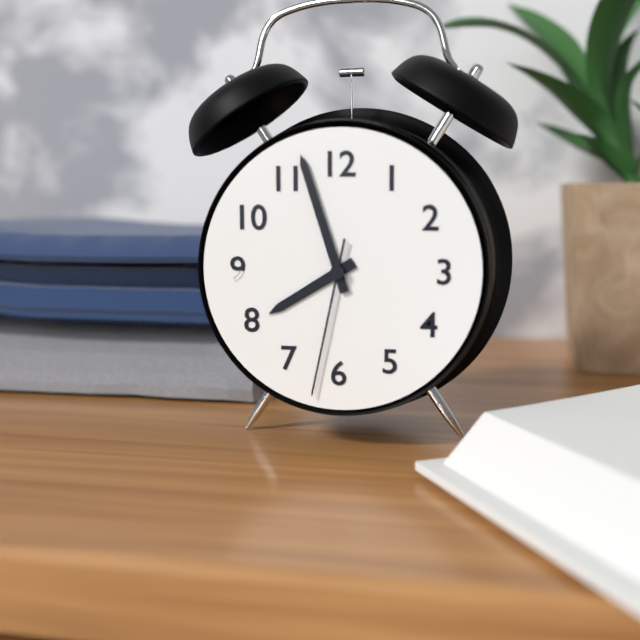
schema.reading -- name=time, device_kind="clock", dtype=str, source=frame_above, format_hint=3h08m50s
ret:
7h57m32s
